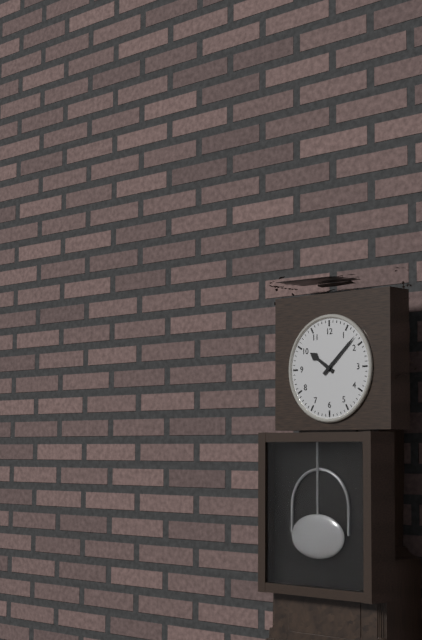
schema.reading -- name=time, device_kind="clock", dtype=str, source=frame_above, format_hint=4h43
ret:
10h08
